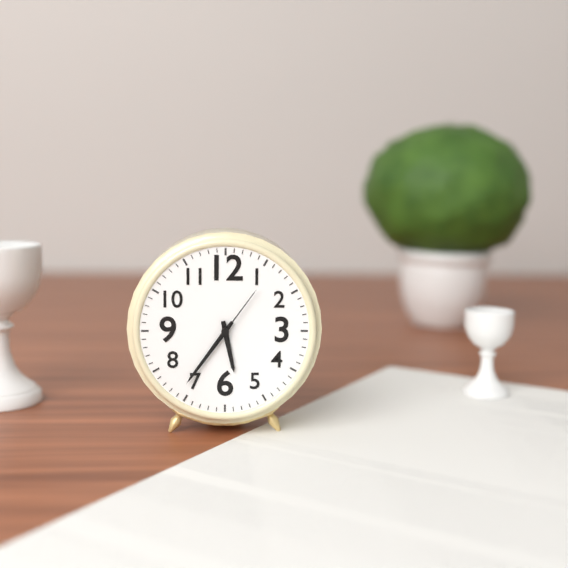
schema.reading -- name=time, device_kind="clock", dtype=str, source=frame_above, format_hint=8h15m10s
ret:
5h36m06s
